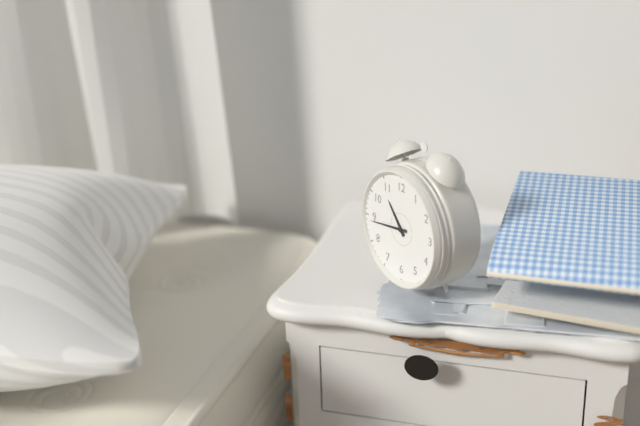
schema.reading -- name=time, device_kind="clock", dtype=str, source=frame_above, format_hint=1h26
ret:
10h44
